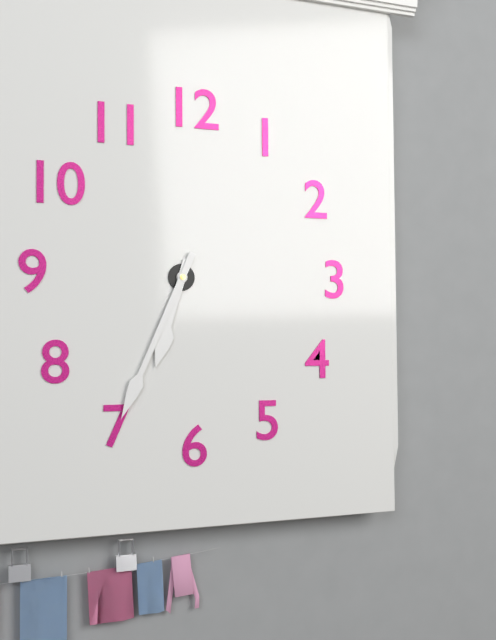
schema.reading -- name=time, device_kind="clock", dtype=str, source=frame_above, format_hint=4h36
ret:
6h34
